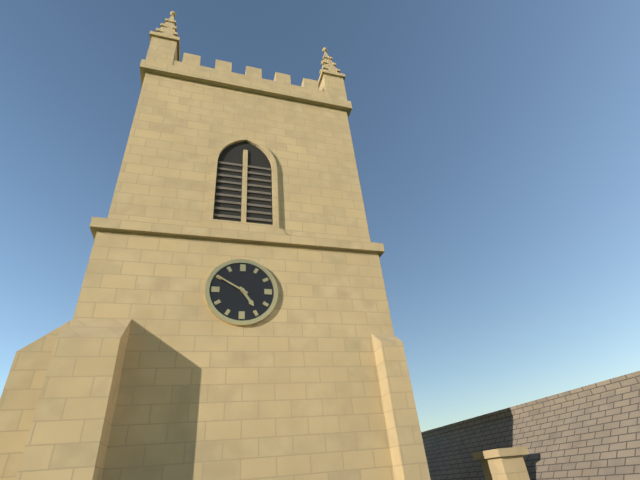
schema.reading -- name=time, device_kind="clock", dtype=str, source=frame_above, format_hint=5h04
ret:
4h50
